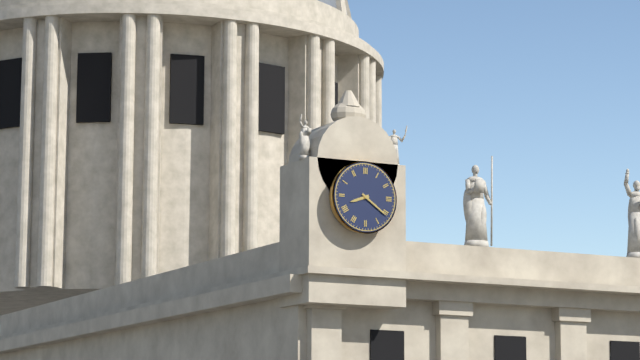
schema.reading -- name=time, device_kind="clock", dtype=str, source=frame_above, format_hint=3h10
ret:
8h21
